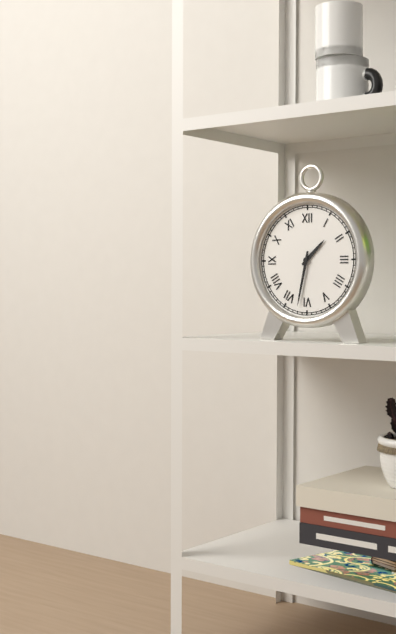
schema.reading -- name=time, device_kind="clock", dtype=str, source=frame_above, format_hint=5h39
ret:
1h32
